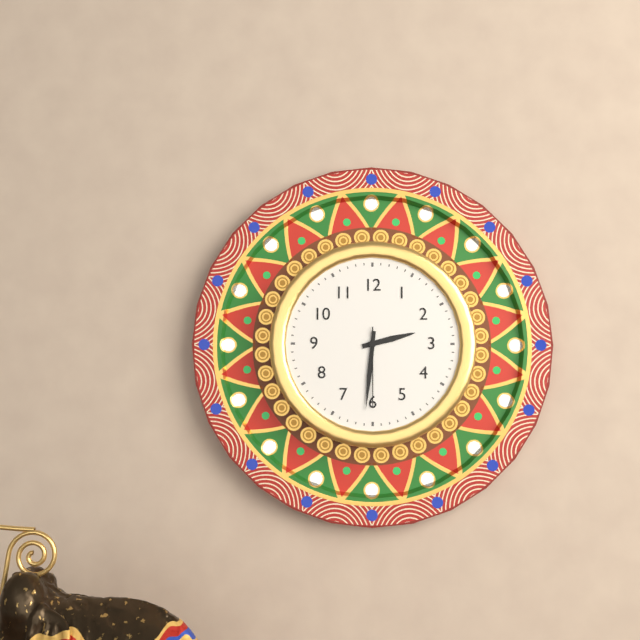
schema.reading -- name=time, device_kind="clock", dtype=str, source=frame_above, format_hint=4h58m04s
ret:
2h31m30s
